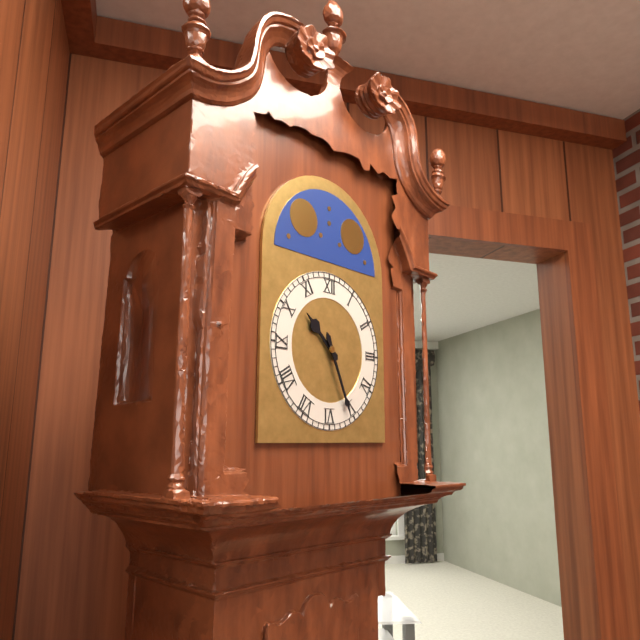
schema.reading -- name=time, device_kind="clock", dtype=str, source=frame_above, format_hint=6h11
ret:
10h26
